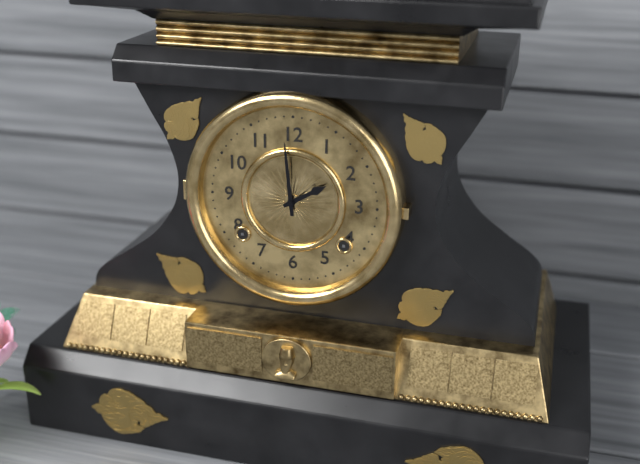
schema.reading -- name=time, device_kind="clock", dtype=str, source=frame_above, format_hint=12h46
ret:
1h59
